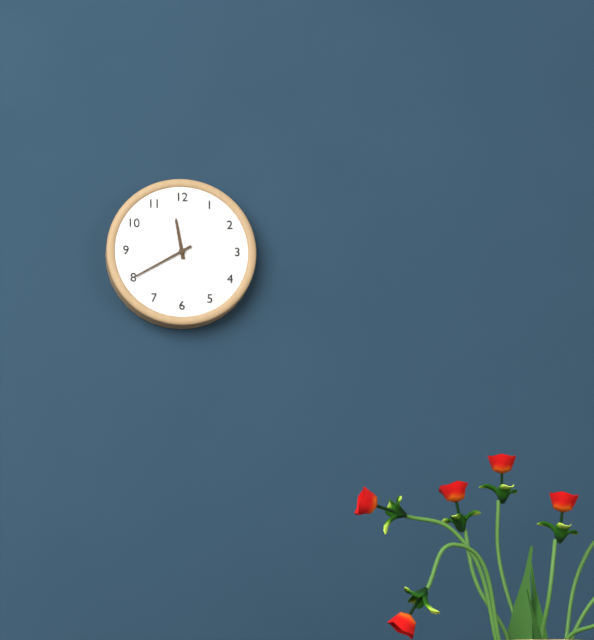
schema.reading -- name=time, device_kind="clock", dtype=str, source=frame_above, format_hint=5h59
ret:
11h40
